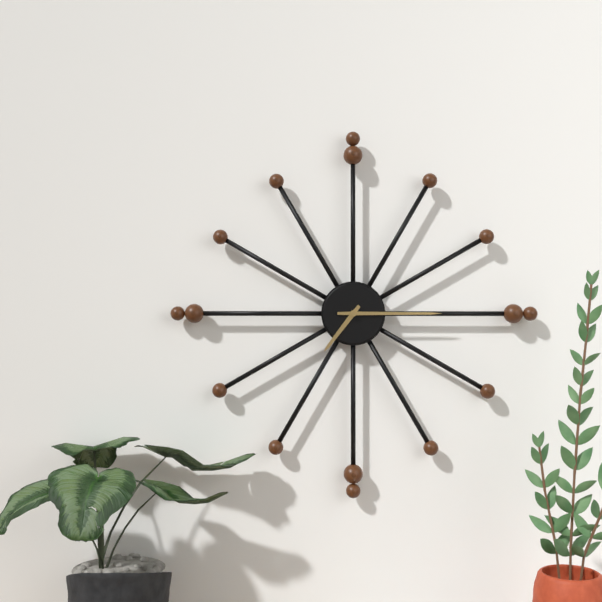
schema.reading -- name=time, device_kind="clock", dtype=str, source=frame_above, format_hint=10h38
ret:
7h15
